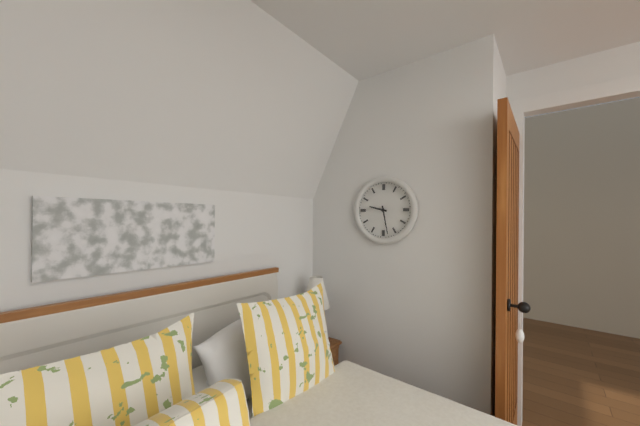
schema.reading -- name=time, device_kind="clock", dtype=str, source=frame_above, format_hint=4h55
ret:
9h28
